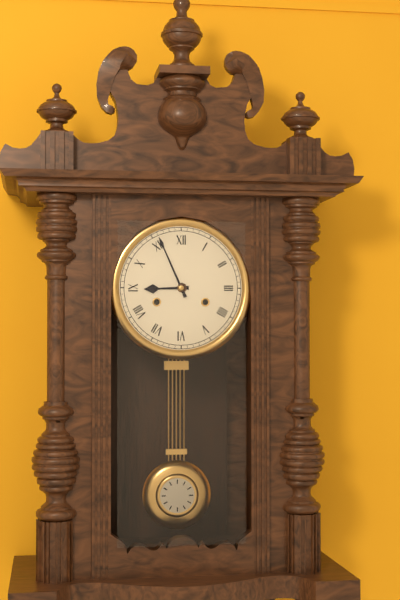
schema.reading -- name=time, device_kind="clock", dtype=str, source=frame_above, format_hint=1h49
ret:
8h56
